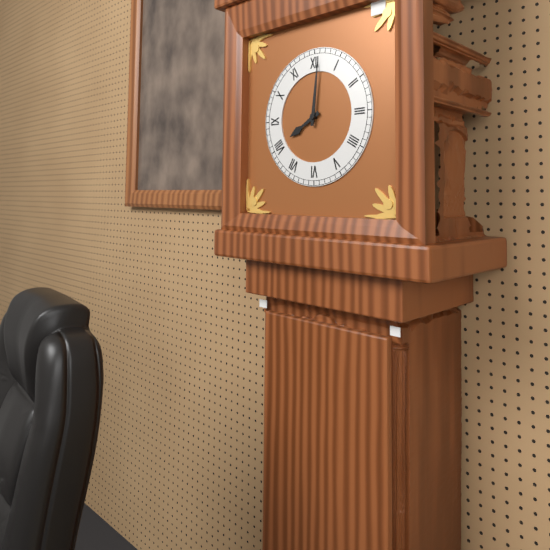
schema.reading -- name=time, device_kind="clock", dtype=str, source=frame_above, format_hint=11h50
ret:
8h01
